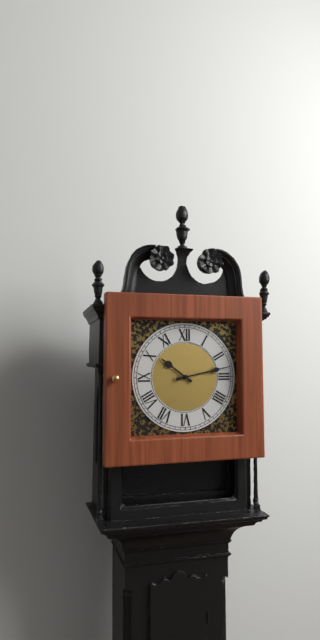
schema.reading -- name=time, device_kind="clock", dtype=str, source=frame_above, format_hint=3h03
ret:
10h13
